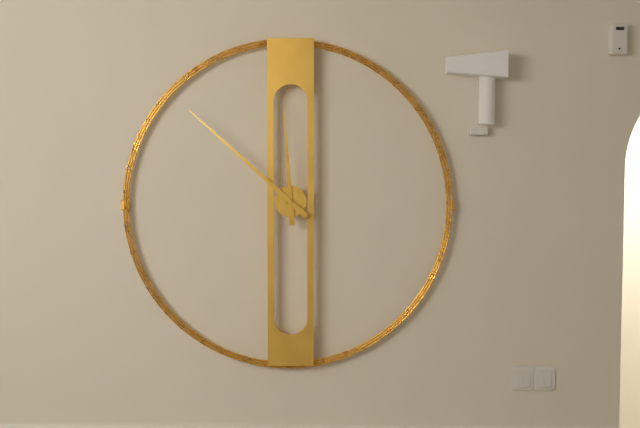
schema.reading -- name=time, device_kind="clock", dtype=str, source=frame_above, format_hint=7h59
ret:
11h52
